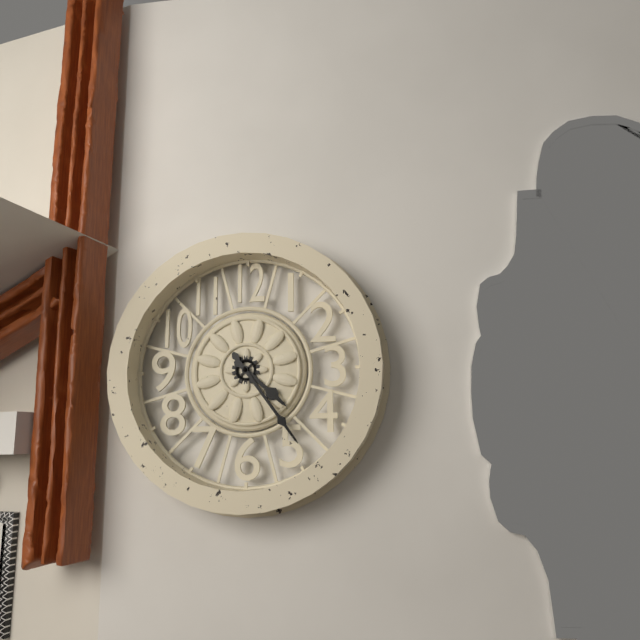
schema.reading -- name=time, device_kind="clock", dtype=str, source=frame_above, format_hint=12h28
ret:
4h24
